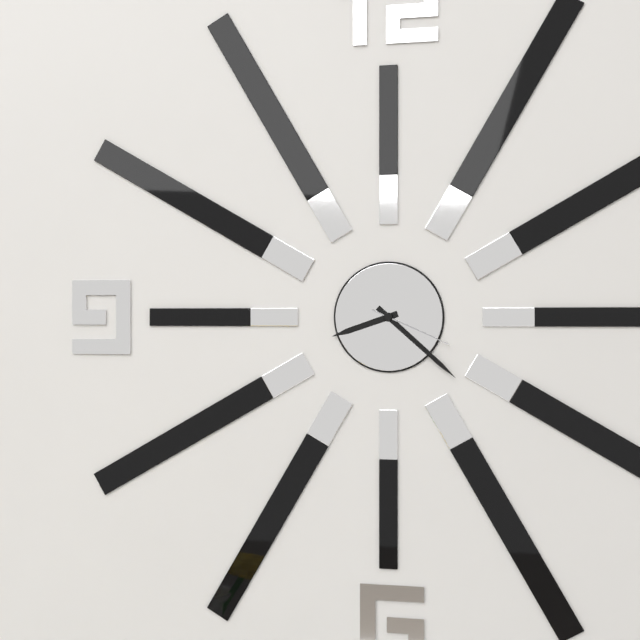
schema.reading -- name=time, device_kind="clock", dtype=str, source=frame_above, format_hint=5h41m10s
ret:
8h22m19s
